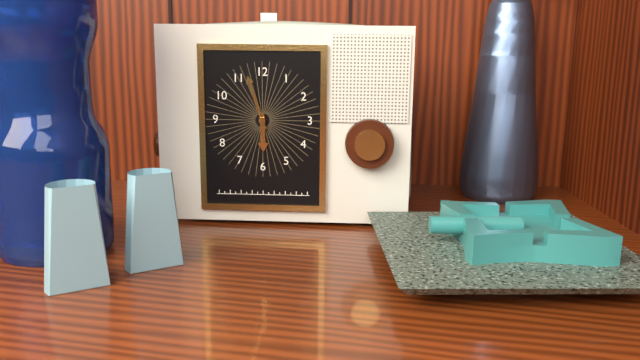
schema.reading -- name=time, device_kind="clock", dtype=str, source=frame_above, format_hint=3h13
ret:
5h57
